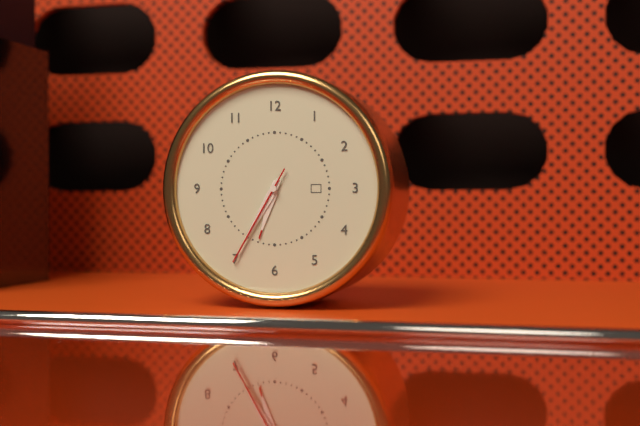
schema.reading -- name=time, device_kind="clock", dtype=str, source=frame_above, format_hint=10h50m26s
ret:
6h35m35s
